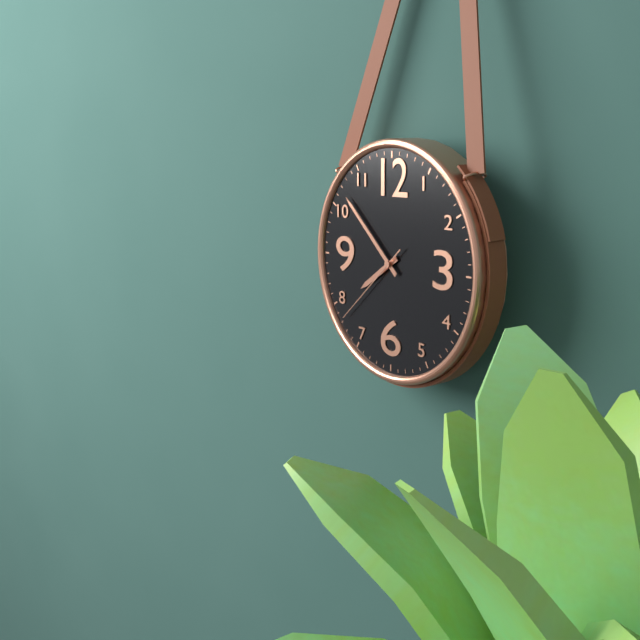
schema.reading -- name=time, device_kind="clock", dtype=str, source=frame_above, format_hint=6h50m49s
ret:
7h52m38s
